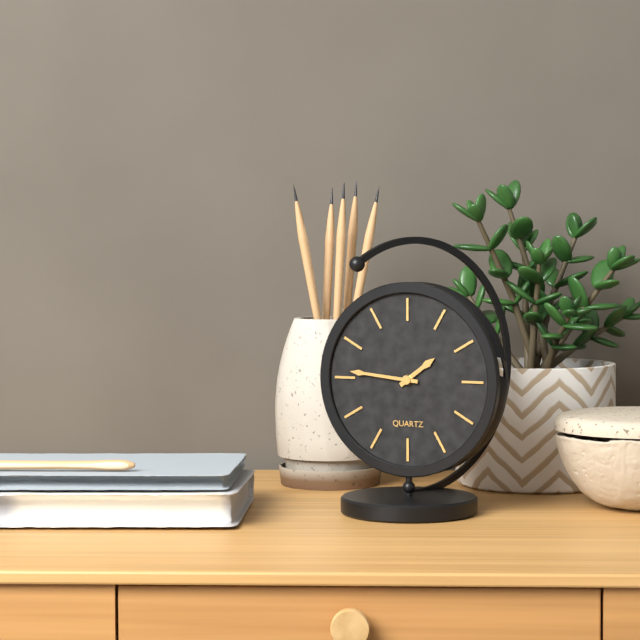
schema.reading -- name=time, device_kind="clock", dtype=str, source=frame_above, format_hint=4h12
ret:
1h46
